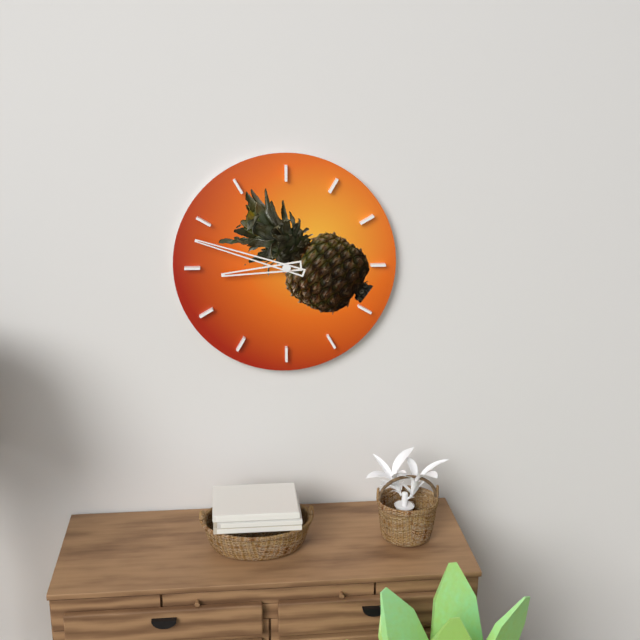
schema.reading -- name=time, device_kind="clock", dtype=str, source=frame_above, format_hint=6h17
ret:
8h48
